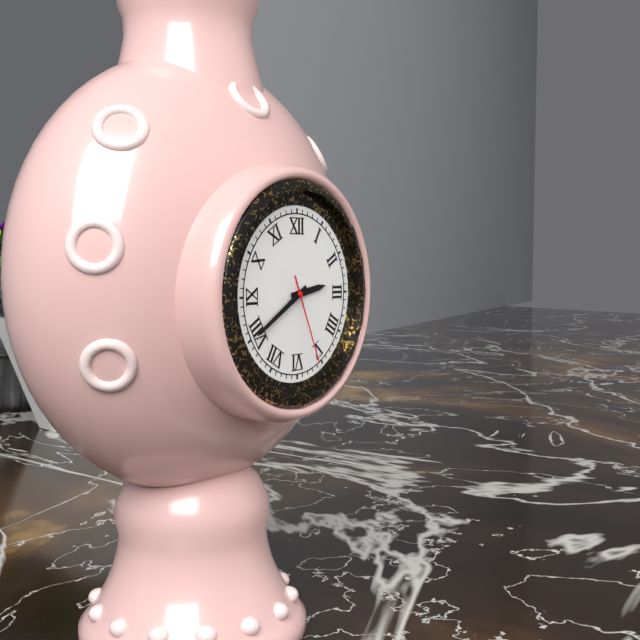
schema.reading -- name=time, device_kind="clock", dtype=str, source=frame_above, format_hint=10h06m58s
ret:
2h40m26s
